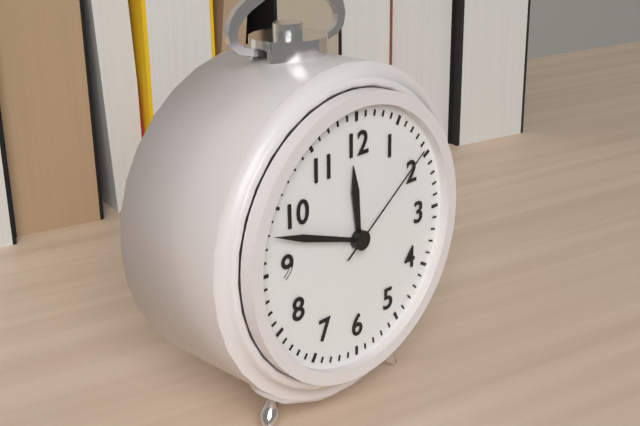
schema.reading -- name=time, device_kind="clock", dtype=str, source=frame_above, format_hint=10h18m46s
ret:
11h48m09s
